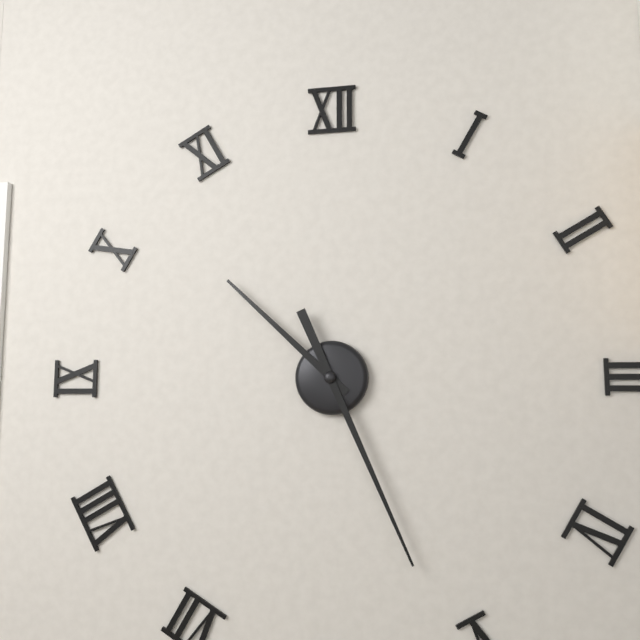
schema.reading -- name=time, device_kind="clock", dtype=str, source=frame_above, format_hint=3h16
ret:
10h26
